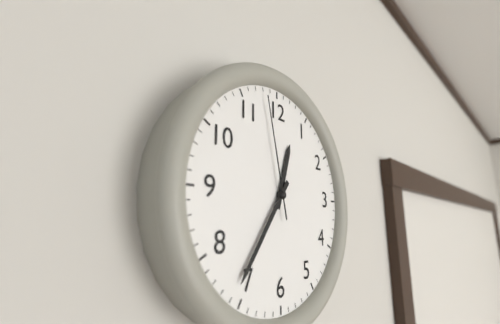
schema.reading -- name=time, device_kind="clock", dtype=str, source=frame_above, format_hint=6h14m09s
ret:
12h36m58s
